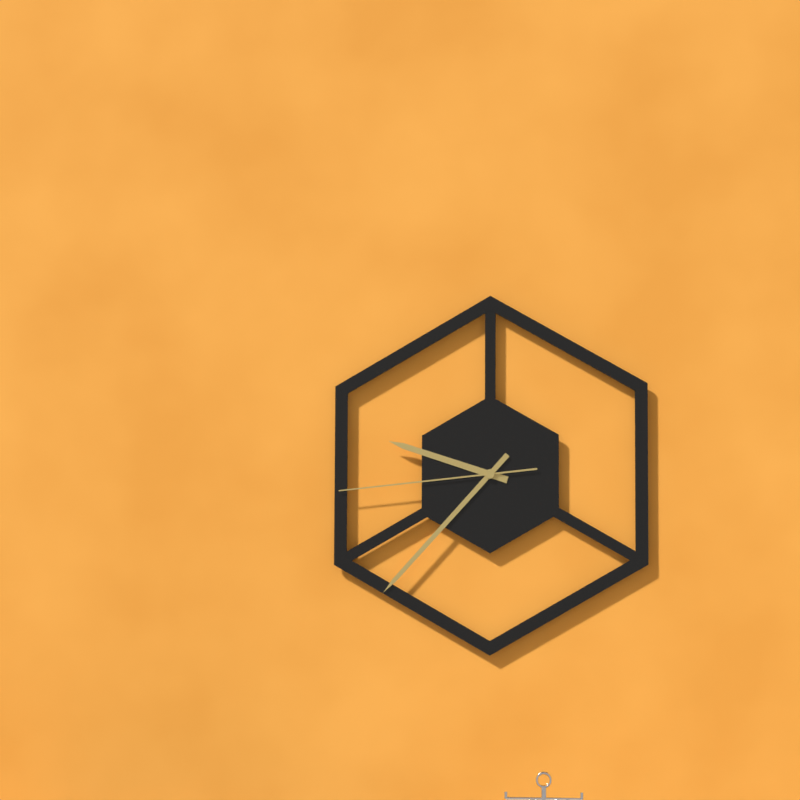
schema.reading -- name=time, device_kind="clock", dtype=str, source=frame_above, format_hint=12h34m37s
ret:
9h37m44s
